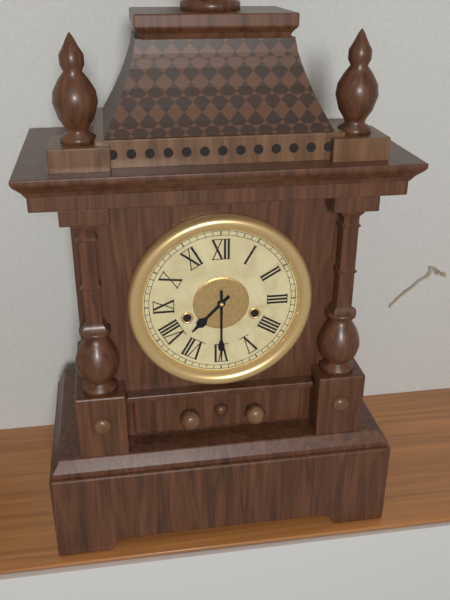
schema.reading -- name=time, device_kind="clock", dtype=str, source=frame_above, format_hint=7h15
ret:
7h30
